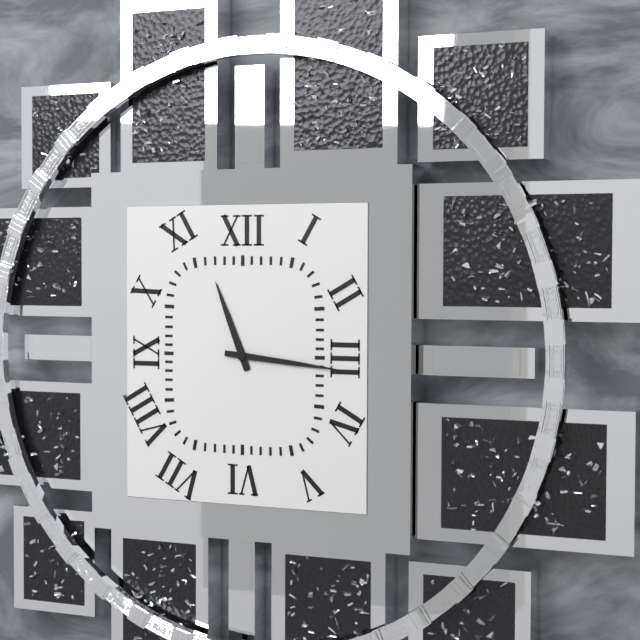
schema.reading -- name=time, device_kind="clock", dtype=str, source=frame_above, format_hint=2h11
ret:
11h16
